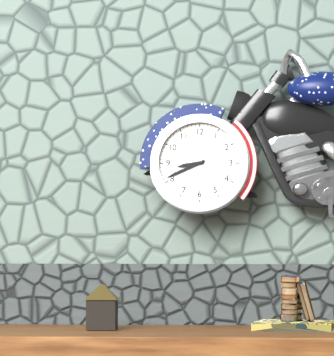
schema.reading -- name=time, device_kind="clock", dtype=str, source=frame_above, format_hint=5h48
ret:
8h41
